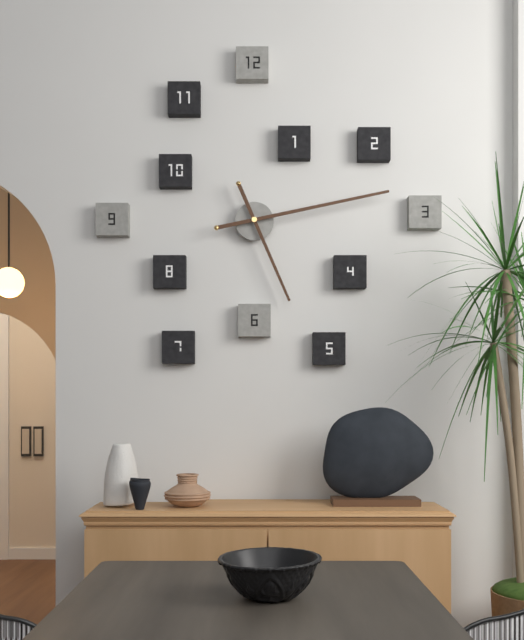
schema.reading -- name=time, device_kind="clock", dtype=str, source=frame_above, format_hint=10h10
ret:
5h13
